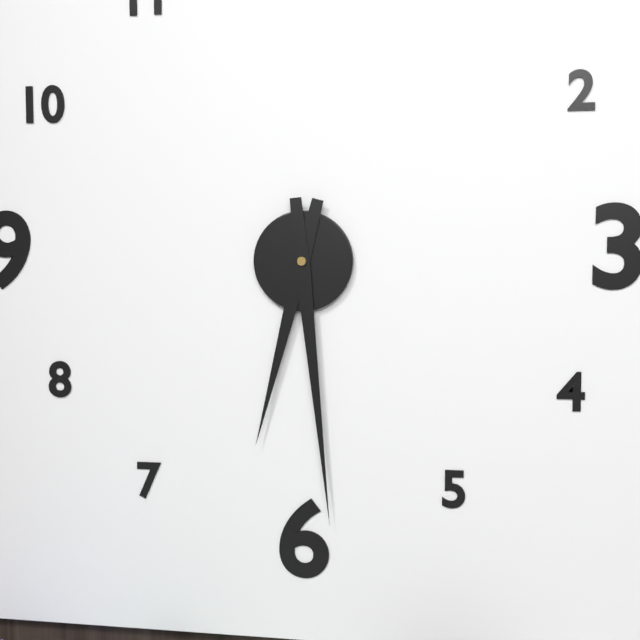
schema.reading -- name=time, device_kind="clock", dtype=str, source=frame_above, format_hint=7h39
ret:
6h29
